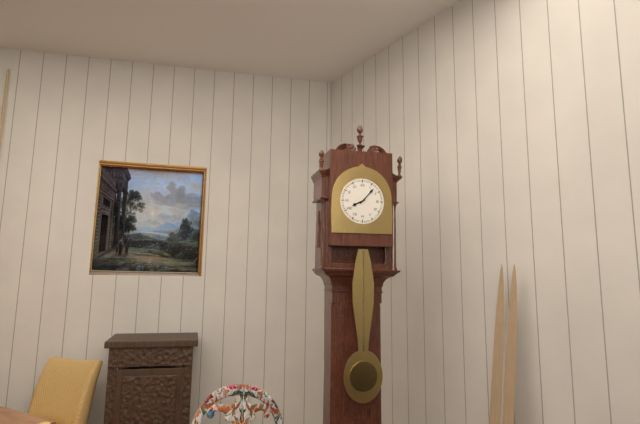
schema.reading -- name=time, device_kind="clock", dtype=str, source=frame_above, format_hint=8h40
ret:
8h07
